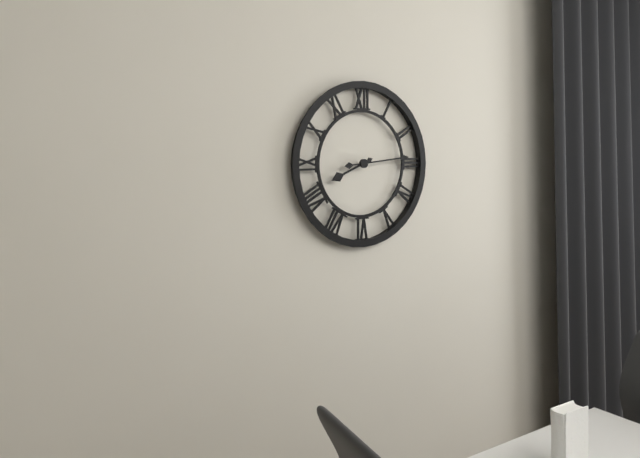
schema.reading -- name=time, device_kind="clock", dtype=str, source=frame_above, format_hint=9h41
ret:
8h14
